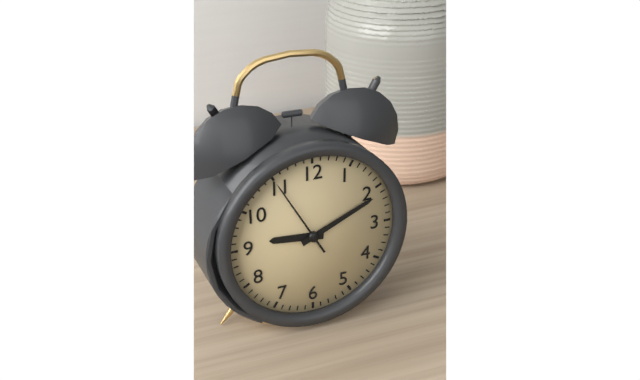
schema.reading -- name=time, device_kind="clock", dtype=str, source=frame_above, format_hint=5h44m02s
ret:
9h11m55s
